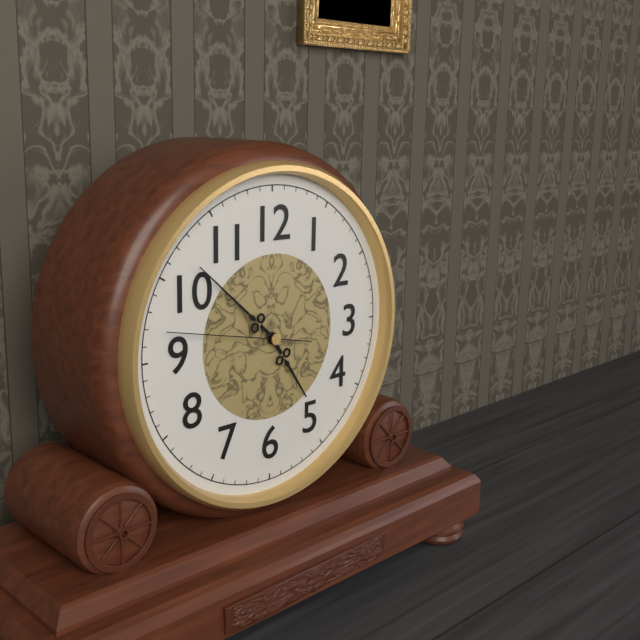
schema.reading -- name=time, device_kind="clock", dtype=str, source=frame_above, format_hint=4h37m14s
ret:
4h52m47s
